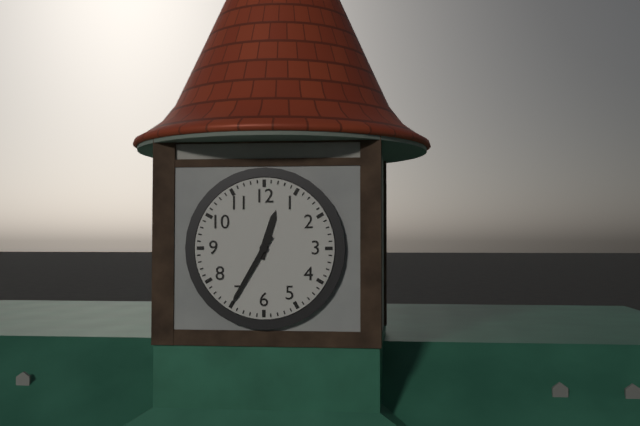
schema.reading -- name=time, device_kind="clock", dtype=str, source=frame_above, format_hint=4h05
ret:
12h35
